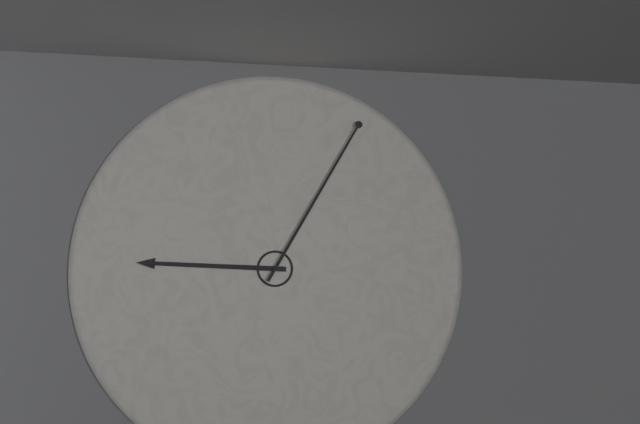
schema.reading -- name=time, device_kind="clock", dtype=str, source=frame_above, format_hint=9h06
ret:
9h05
